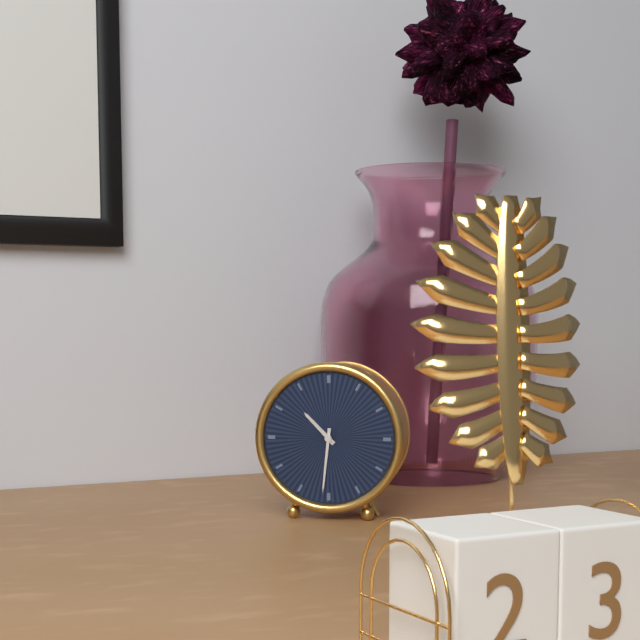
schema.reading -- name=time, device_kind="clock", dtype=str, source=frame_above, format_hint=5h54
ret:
10h31
